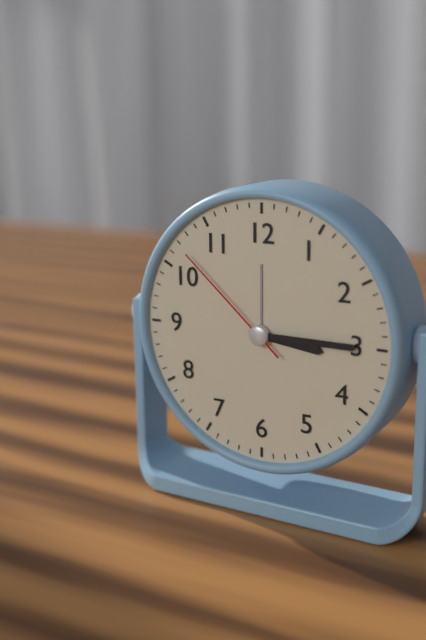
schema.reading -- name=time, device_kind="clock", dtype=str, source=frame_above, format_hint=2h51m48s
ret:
3h15m52s
